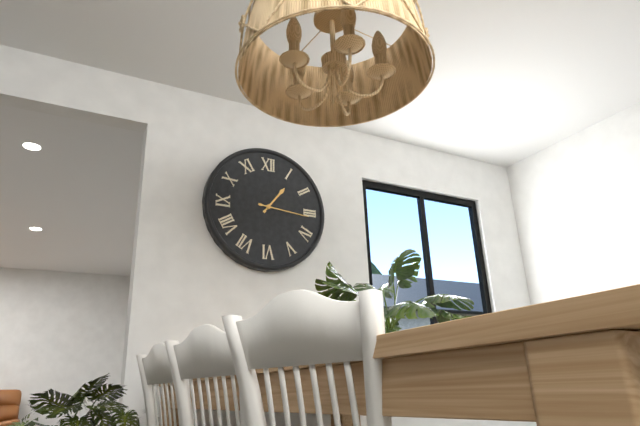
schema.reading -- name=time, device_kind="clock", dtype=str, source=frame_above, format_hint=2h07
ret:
1h16
